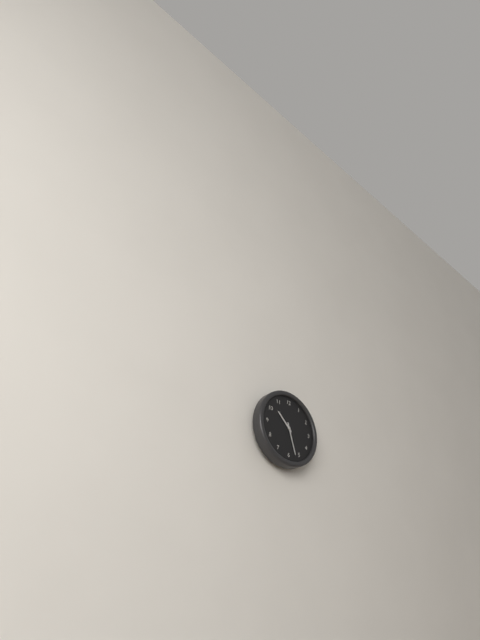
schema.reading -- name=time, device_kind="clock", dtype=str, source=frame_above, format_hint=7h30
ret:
10h27
